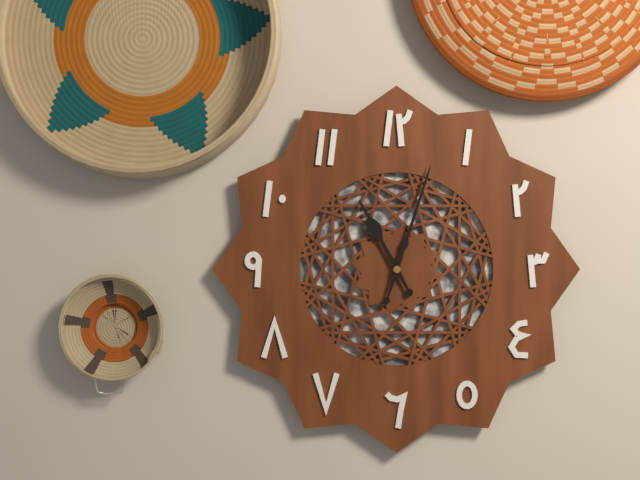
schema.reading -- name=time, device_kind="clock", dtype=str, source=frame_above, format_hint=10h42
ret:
11h03
